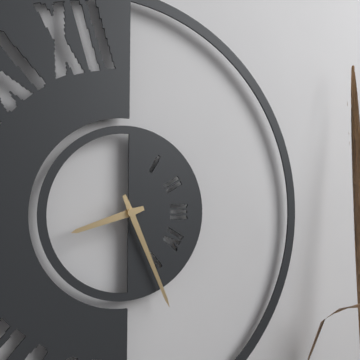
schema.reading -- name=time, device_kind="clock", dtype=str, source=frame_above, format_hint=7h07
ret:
8h26
